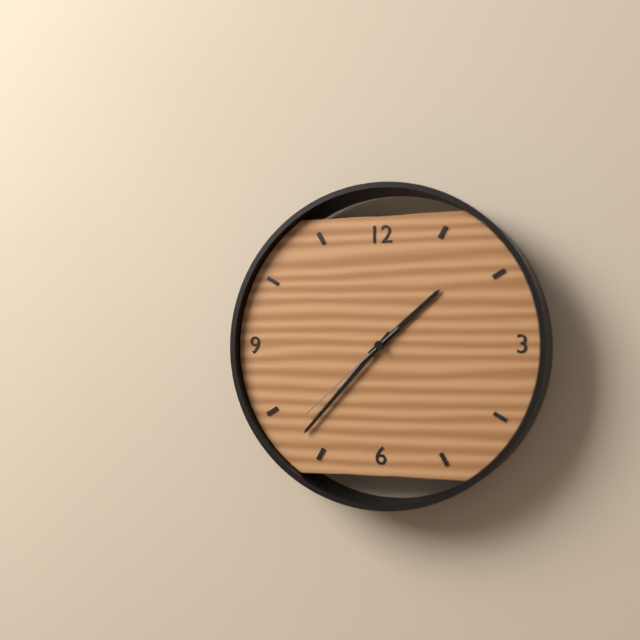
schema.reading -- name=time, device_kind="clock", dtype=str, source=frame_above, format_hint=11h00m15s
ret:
1h37m38s
